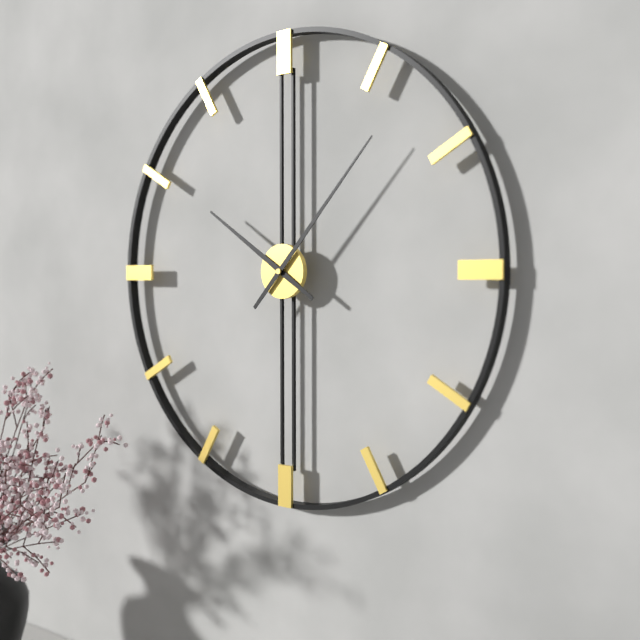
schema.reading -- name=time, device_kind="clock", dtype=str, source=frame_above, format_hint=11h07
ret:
10h07
